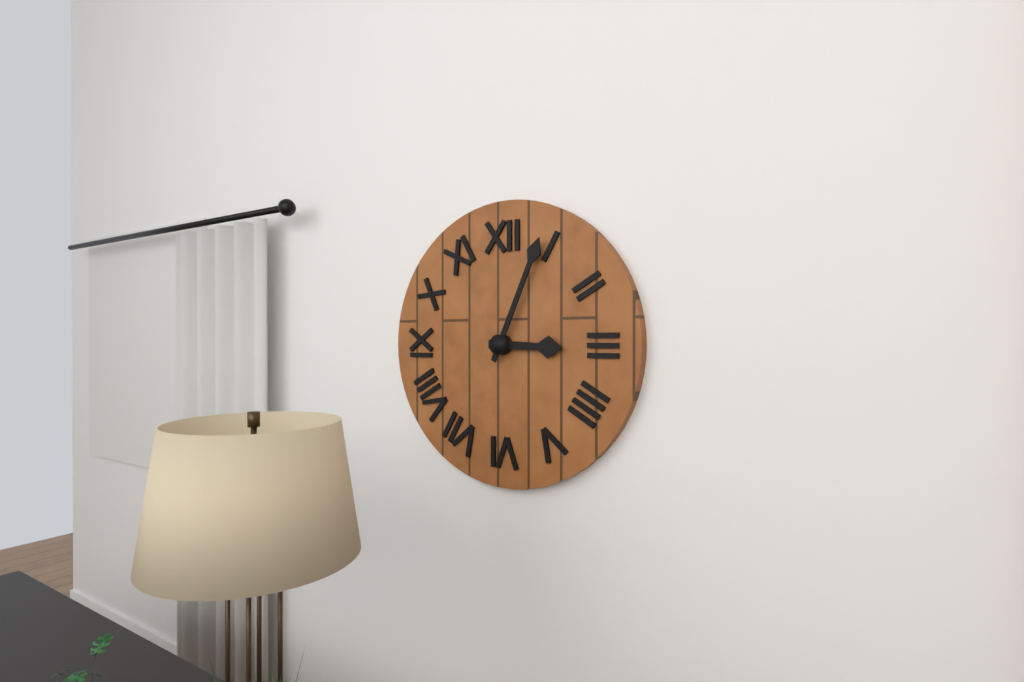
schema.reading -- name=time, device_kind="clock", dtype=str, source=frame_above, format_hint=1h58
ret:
3h04
